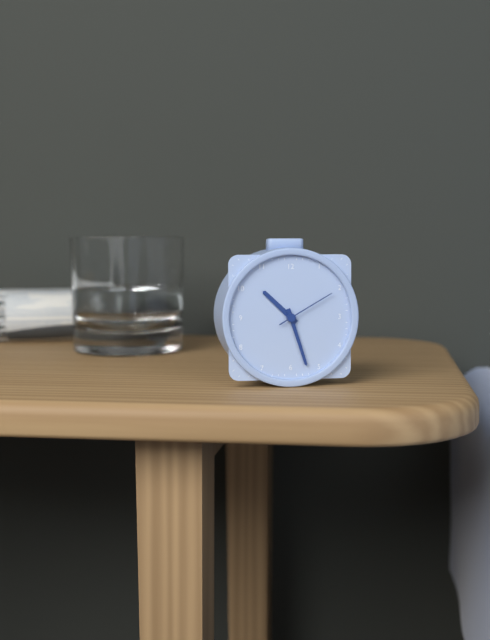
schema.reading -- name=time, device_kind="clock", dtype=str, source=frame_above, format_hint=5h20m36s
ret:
10h27m10s
